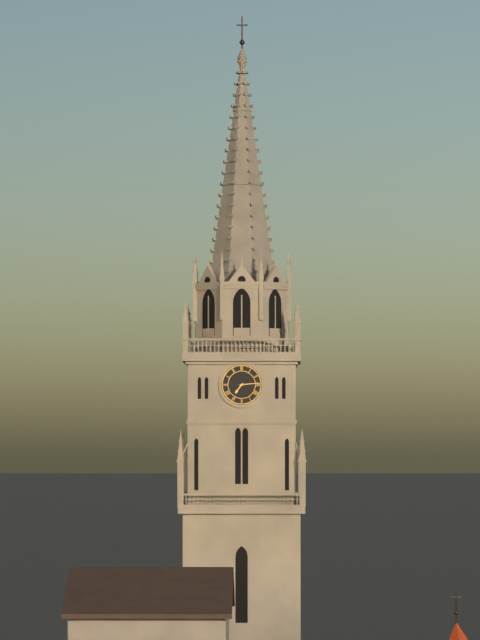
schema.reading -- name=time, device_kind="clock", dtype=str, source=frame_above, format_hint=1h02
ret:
7h14
